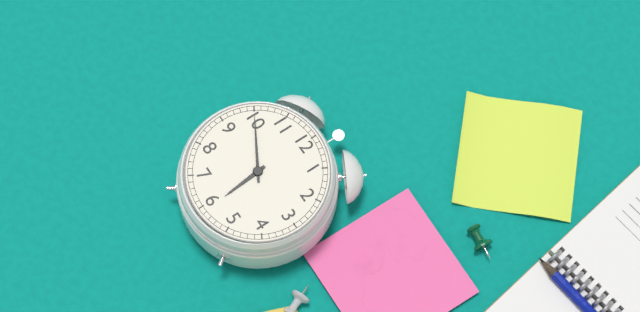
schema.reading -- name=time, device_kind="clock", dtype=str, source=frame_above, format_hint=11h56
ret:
5h50
